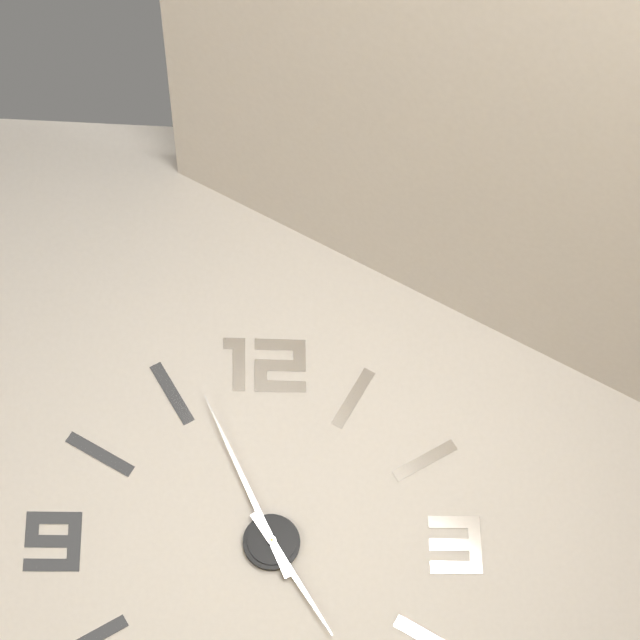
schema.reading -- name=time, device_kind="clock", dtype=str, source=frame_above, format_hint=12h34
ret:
4h56
